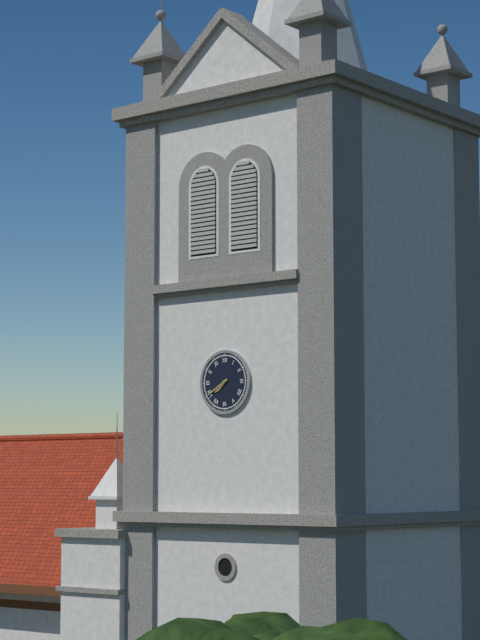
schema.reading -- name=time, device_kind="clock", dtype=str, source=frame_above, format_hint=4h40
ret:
7h40
